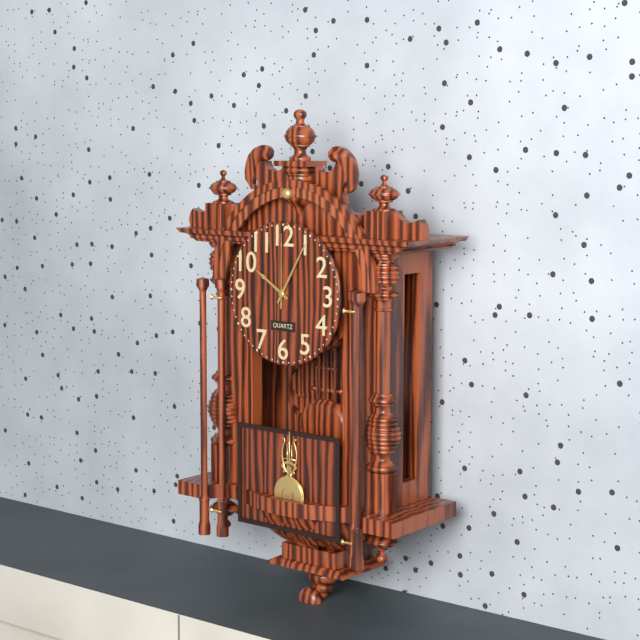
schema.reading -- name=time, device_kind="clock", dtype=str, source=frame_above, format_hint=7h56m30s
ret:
10h05m00s
